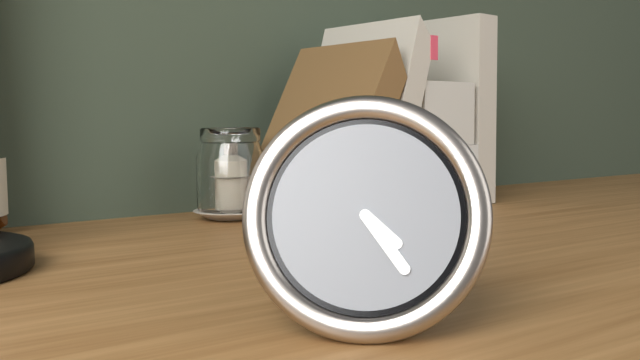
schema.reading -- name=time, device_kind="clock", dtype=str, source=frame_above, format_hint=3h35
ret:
4h24
